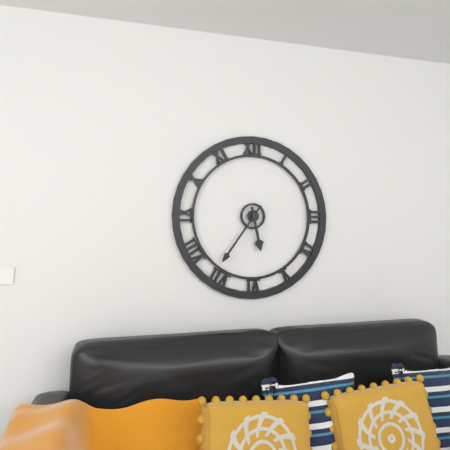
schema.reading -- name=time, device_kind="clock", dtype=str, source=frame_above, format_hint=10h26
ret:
5h36
